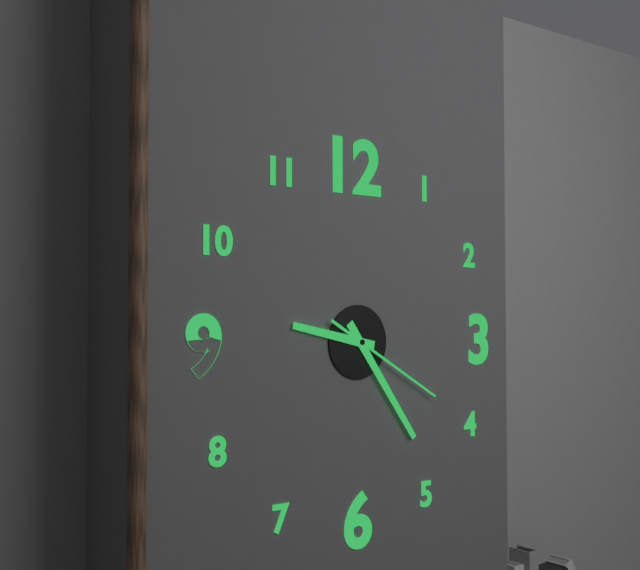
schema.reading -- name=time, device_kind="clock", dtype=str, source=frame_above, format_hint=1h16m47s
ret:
9h24m20s
